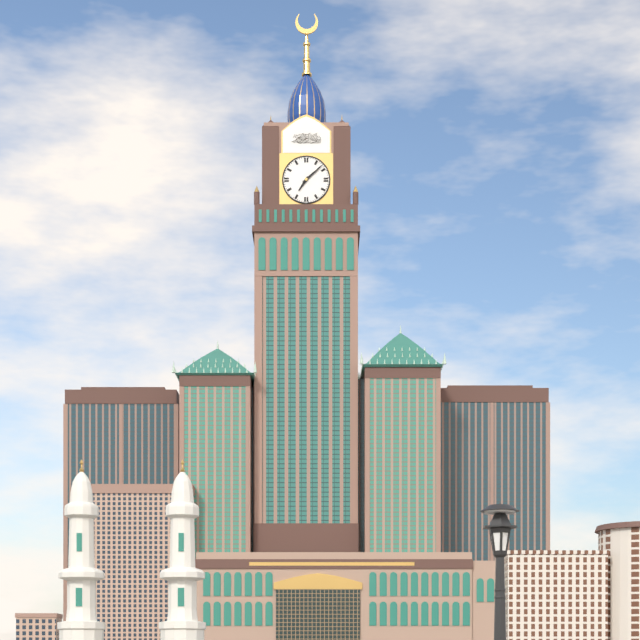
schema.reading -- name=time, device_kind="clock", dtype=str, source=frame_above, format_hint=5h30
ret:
7h08
